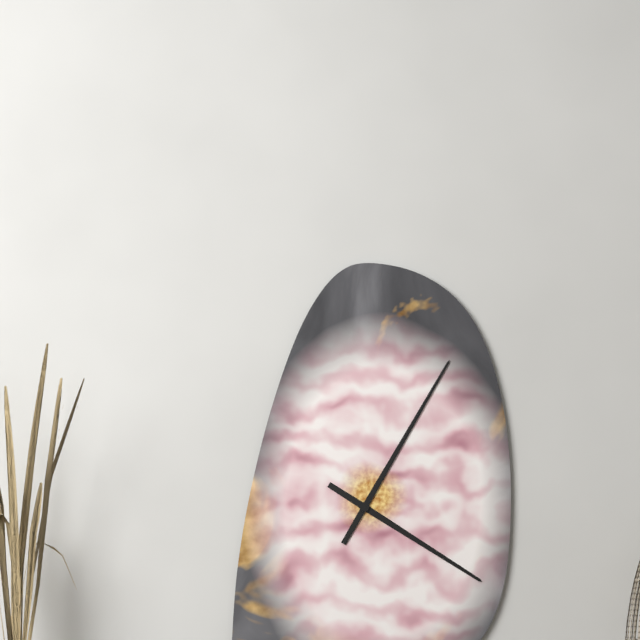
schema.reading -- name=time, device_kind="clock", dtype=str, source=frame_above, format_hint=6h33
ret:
4h05
